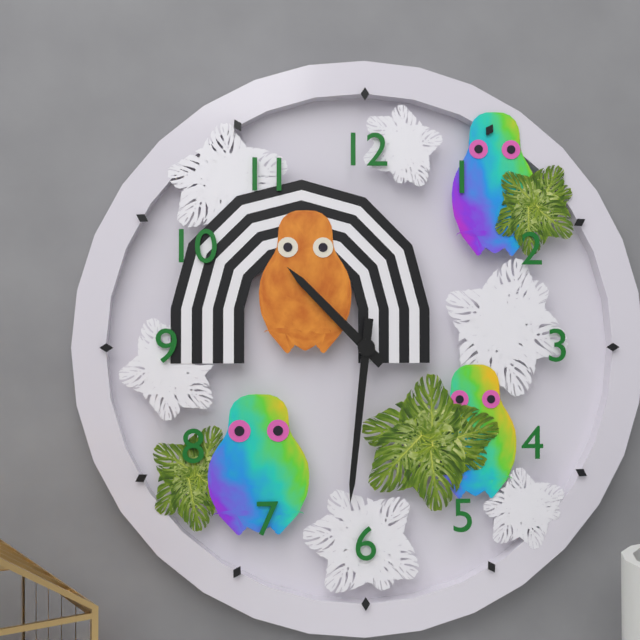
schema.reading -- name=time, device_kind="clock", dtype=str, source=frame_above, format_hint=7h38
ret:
10h31
